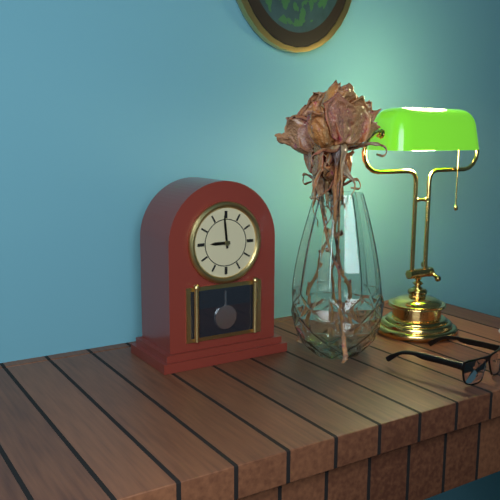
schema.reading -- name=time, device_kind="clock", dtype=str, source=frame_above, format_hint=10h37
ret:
8h59
